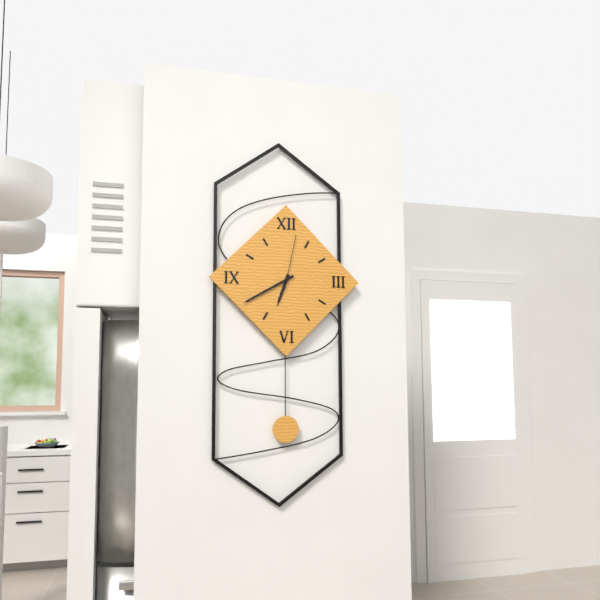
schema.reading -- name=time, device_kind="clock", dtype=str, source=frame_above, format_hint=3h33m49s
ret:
6h40m02s
